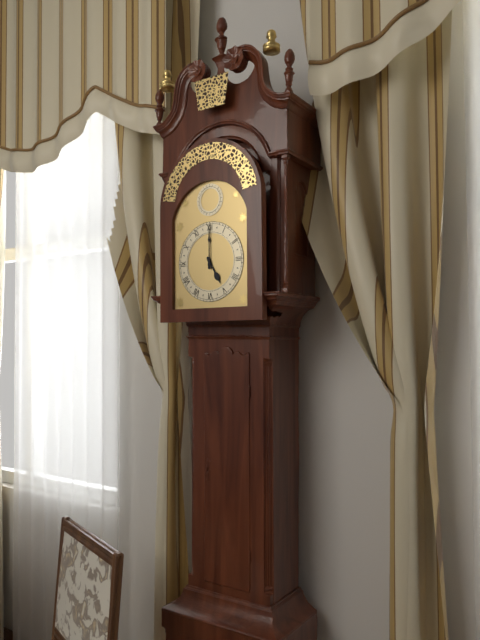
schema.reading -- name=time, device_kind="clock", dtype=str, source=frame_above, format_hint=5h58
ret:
5h00
